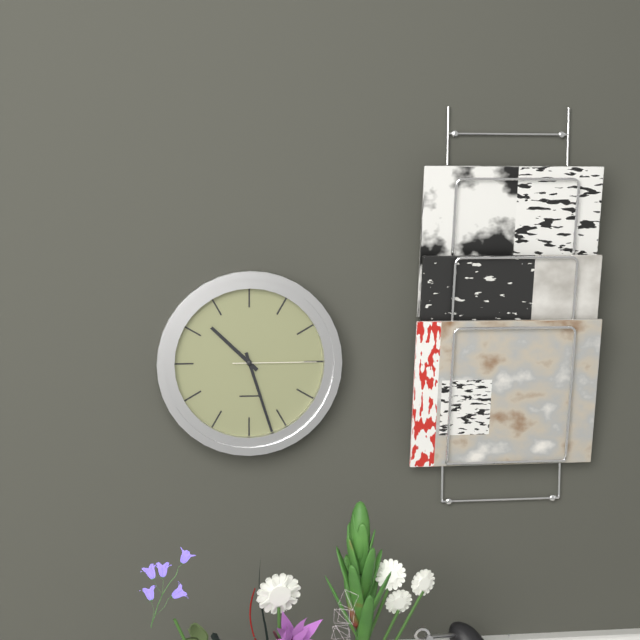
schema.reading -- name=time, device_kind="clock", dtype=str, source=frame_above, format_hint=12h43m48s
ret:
10h27m15s
